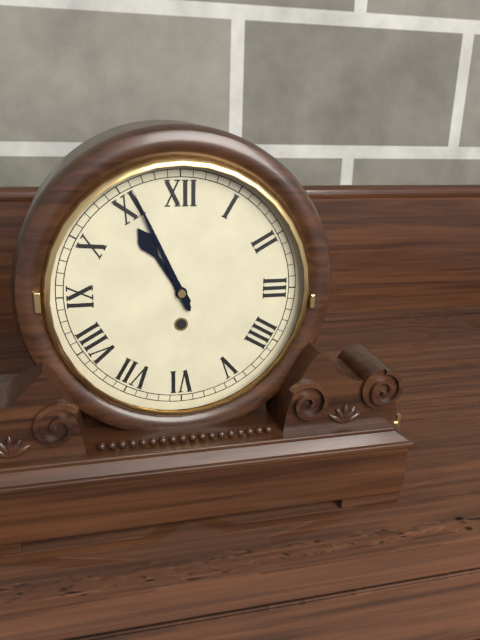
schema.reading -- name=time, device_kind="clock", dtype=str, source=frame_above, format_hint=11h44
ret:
10h56
